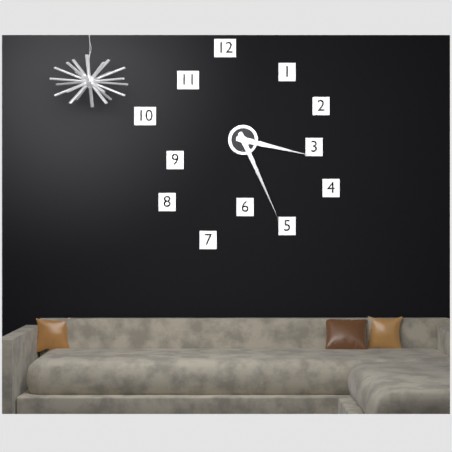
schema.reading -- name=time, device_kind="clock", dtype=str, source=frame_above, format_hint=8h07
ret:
3h26
